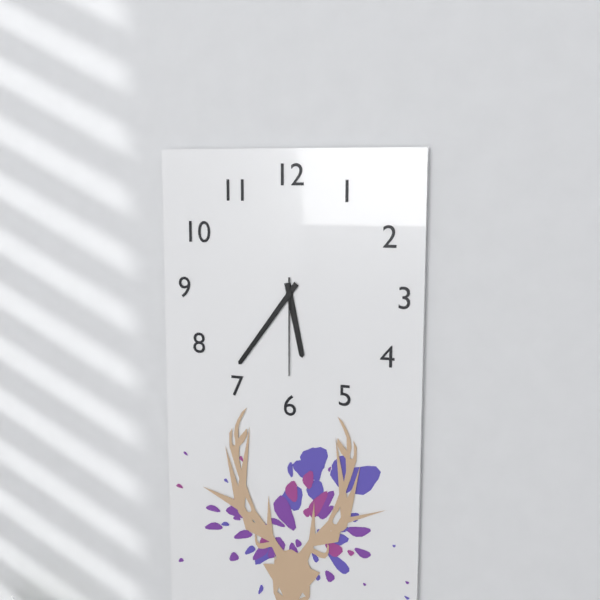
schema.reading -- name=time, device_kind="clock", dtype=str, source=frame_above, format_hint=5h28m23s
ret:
5h36m30s
